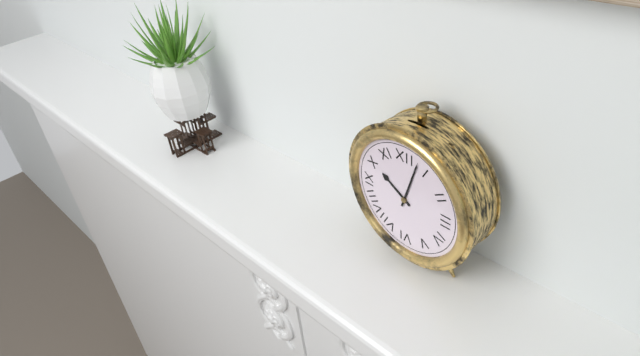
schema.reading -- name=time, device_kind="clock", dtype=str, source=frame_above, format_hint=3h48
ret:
10h03
